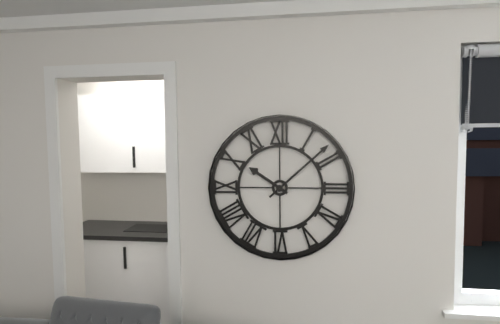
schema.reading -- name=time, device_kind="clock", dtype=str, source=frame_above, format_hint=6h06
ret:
10h08
